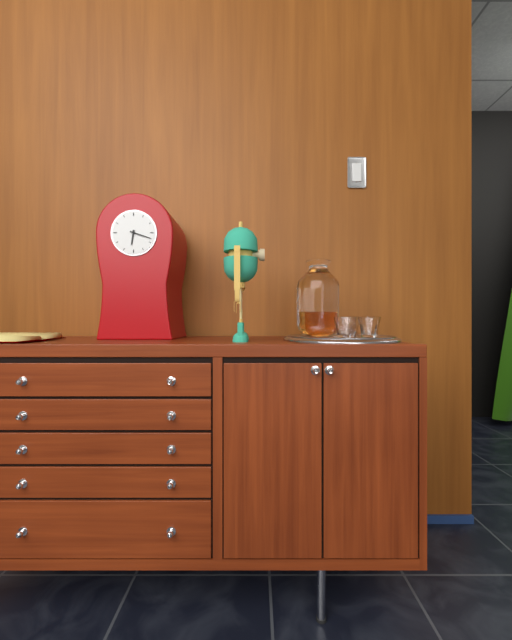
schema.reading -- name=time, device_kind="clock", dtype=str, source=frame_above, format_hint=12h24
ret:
6h18
